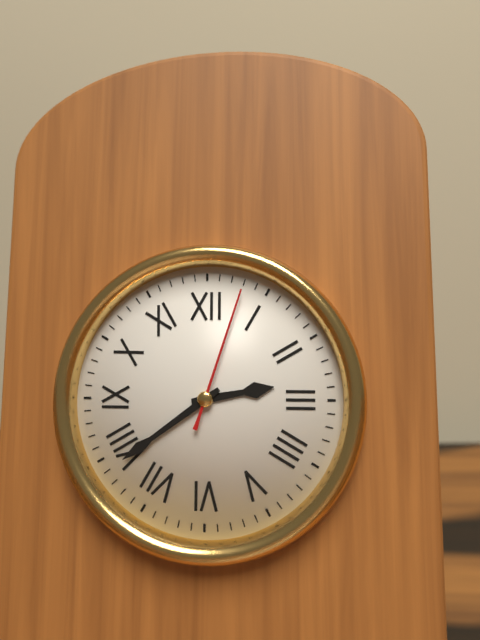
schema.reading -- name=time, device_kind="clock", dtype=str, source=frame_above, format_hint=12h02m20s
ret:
2h39m03s
